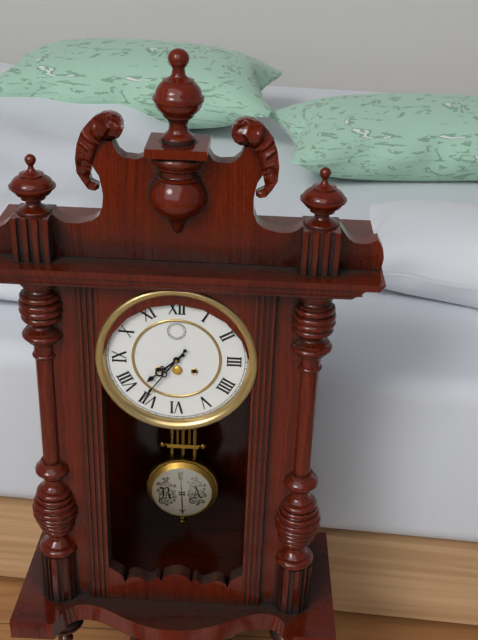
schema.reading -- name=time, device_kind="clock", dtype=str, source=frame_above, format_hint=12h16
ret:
7h36
